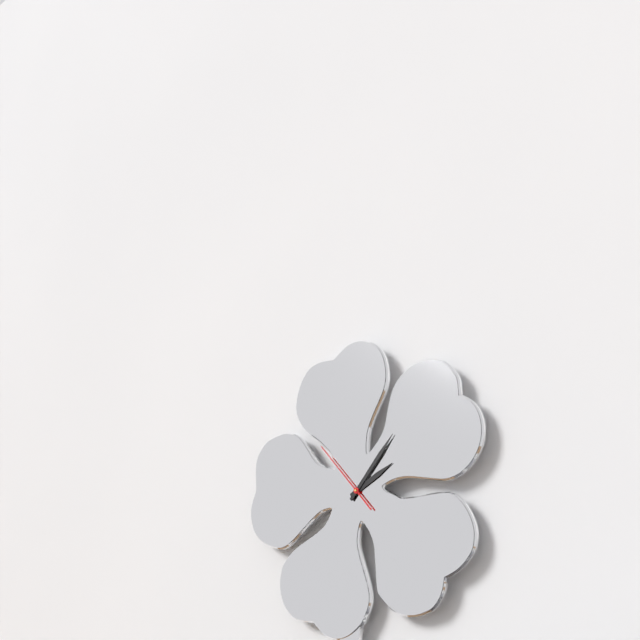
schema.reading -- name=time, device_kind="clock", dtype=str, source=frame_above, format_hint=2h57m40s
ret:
2h07m53s
